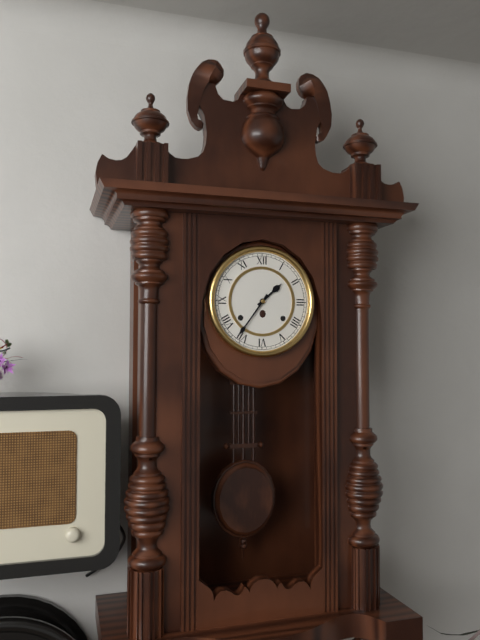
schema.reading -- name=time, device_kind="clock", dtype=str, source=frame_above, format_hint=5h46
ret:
1h36
